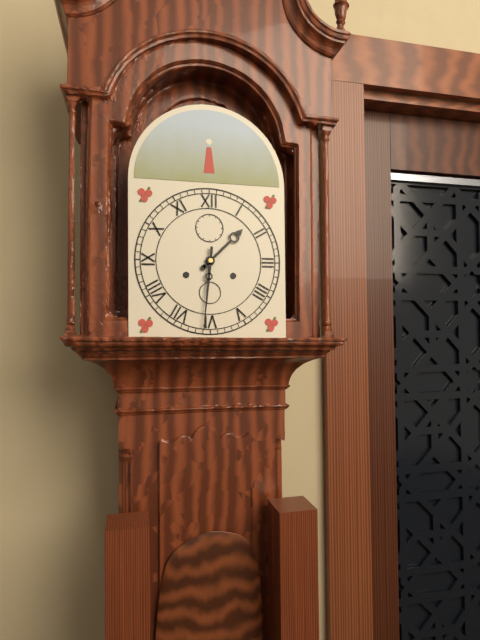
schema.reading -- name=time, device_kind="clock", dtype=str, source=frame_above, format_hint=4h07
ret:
1h31
